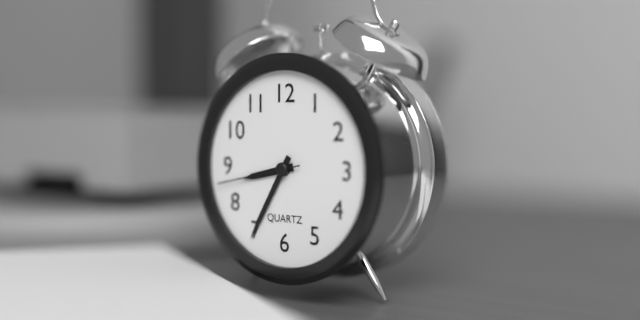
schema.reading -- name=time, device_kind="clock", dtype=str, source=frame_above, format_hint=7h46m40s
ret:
8h35m43s
